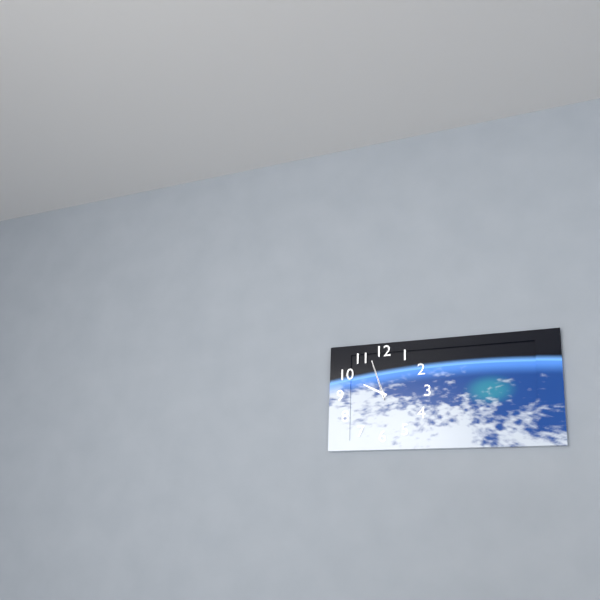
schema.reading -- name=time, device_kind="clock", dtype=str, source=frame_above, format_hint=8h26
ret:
9h57
